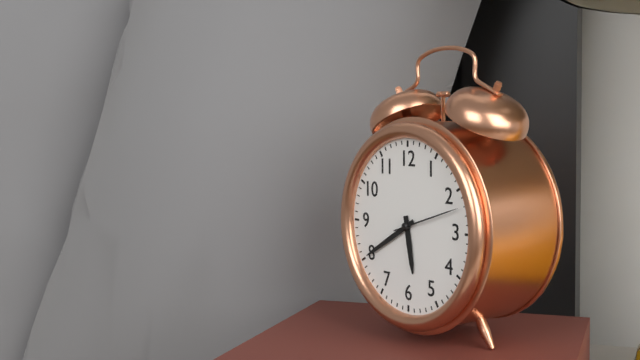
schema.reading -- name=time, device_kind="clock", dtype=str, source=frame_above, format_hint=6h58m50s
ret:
5h40m12s
